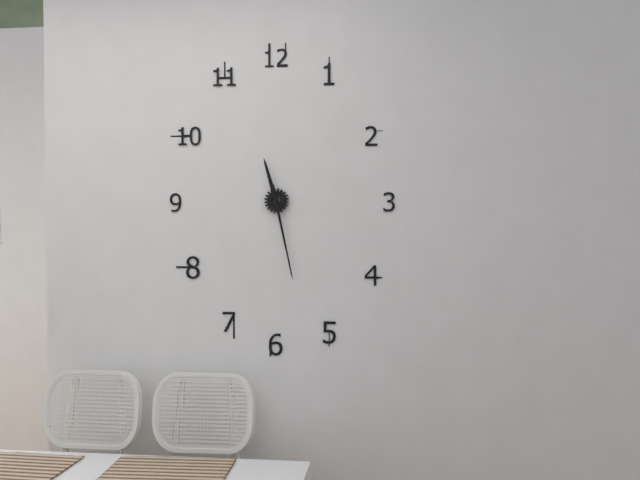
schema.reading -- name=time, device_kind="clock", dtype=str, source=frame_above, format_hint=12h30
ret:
11h28
